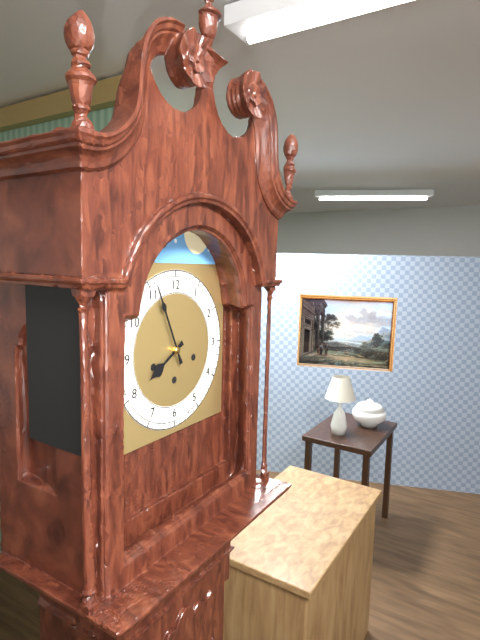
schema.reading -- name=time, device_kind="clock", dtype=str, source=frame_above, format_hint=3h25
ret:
7h56
